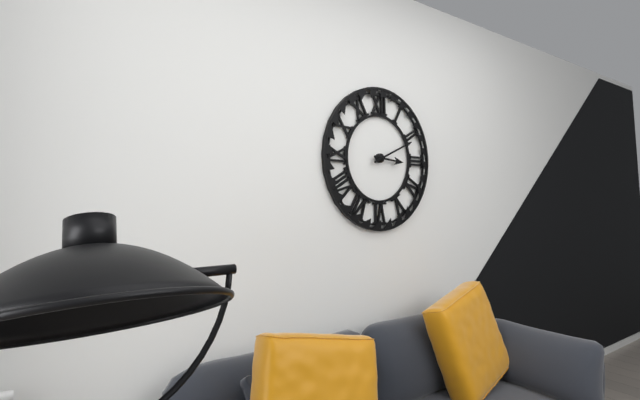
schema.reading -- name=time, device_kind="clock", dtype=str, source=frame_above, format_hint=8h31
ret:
3h11
